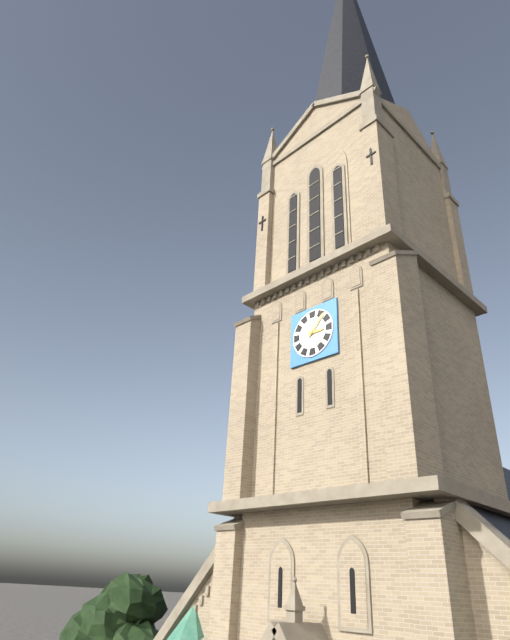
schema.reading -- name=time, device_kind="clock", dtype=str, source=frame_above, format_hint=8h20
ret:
3h07
